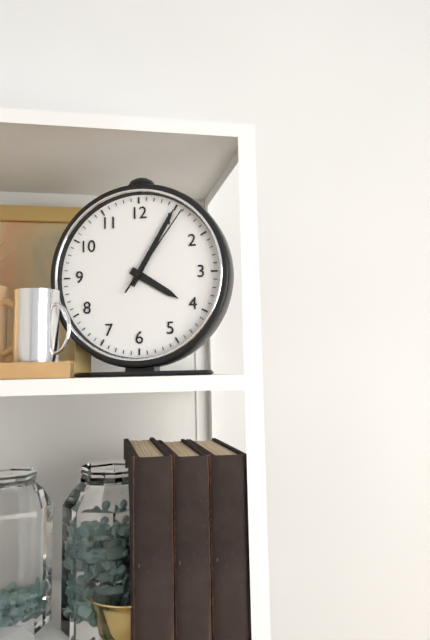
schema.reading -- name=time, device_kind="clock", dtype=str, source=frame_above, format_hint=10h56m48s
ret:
4h05m06s
